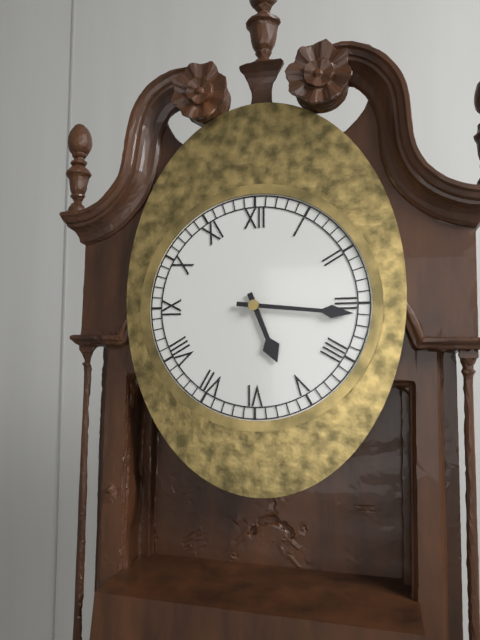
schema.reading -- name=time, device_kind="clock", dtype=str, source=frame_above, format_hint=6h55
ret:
5h16
